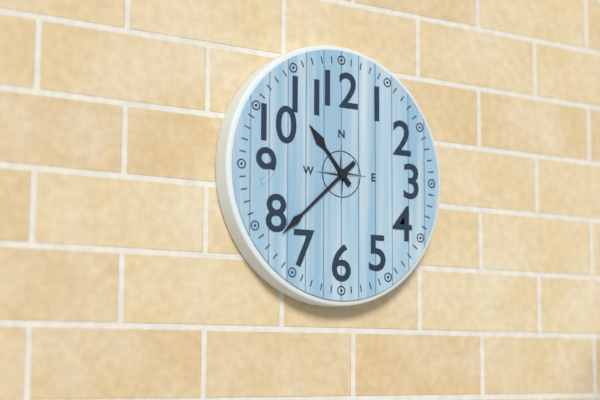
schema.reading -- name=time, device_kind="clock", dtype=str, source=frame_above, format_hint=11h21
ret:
10h38
